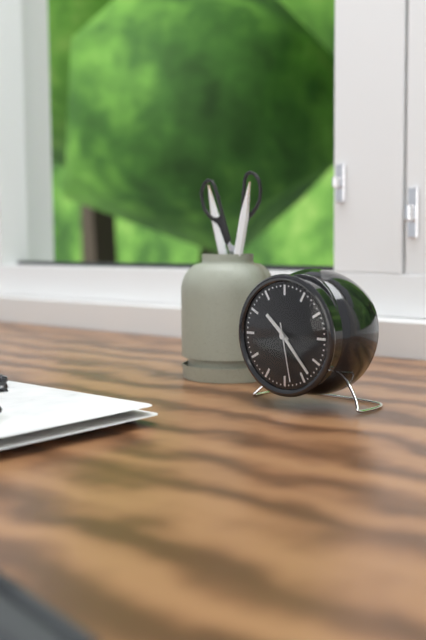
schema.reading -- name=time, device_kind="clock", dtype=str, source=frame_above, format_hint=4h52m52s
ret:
10h23m28s
